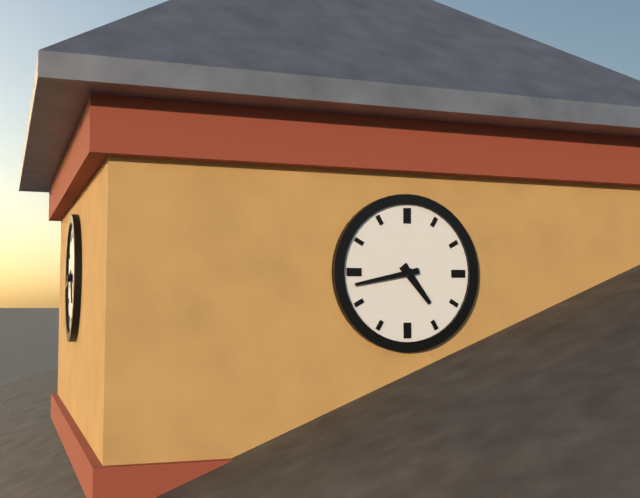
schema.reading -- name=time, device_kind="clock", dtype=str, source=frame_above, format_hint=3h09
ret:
4h43
